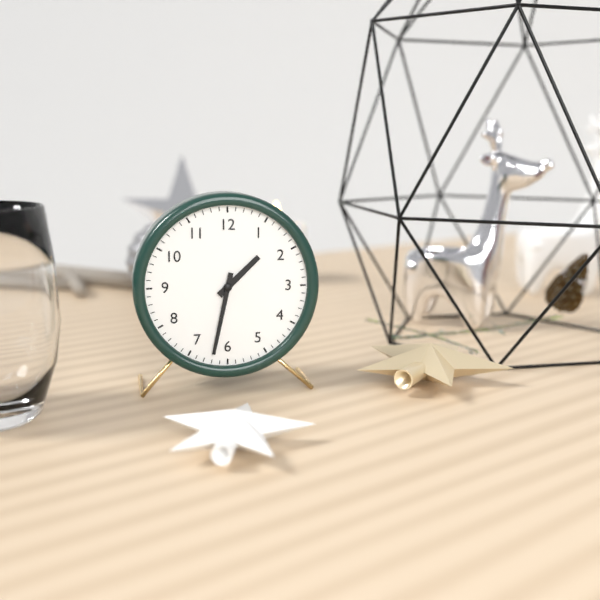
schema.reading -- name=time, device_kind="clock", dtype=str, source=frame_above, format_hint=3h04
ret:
1h32
